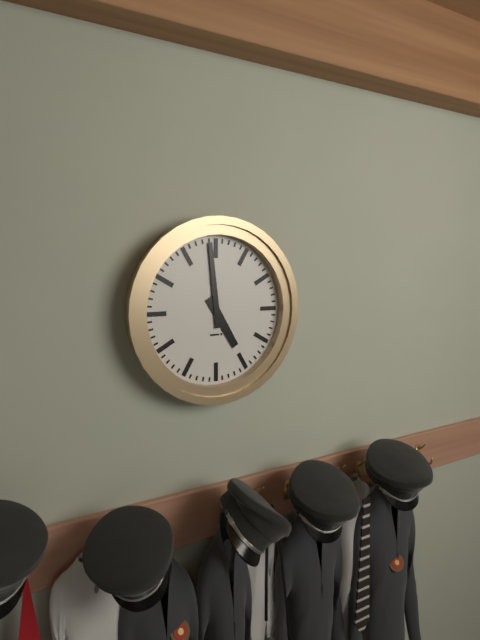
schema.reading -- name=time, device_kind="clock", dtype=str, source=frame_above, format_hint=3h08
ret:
4h59
